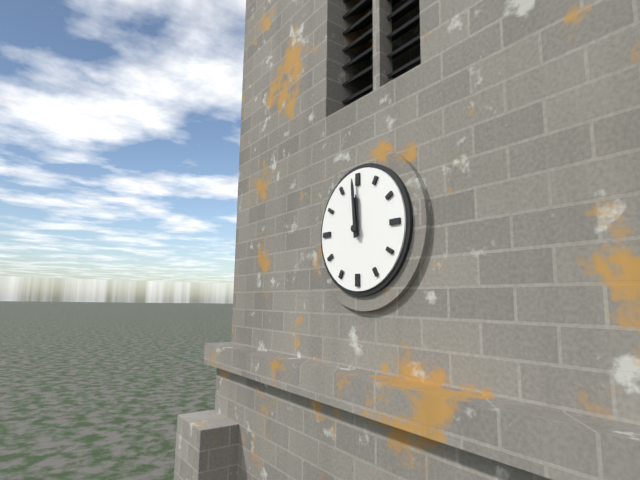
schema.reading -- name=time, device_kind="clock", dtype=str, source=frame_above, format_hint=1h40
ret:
11h59
